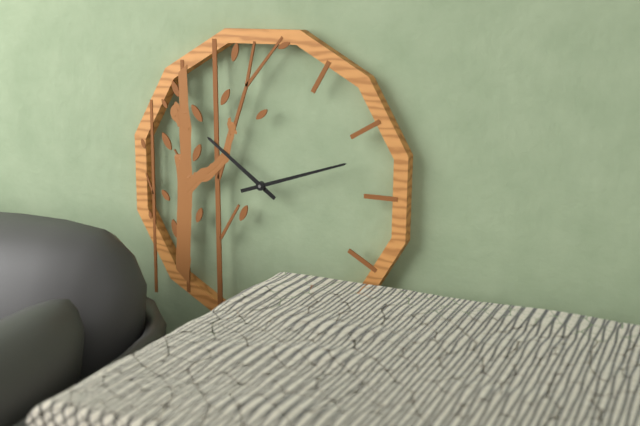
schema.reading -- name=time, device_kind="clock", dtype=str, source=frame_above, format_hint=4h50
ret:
10h12
